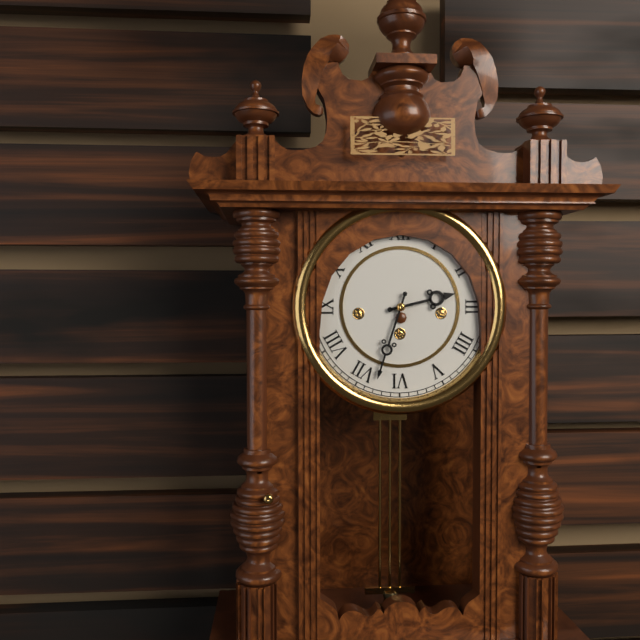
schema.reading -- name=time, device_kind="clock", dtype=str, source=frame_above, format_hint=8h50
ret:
2h33
